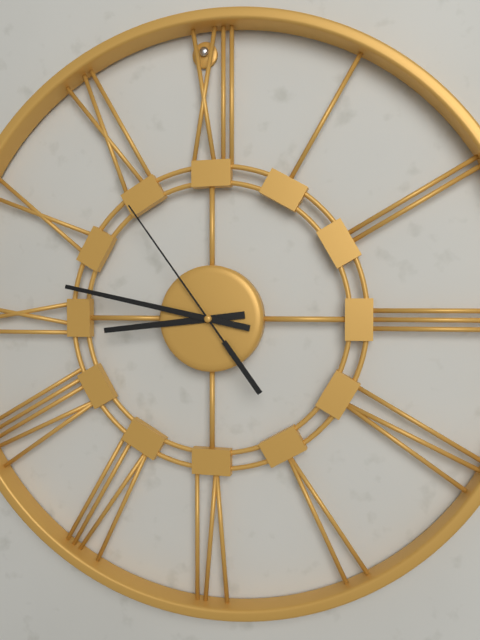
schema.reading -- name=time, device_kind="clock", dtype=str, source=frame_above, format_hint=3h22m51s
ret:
8h47m54s
